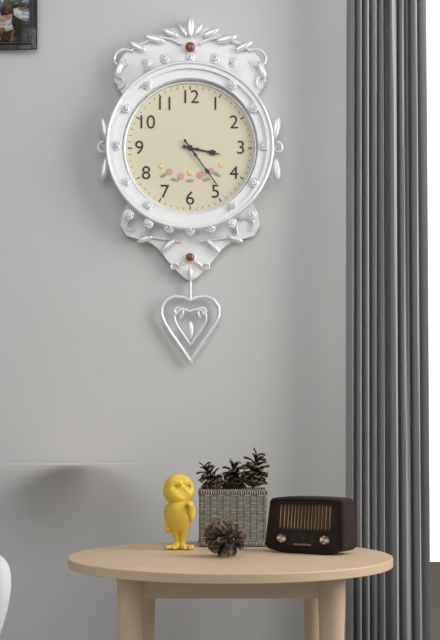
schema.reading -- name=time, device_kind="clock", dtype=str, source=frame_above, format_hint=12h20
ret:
3h24
